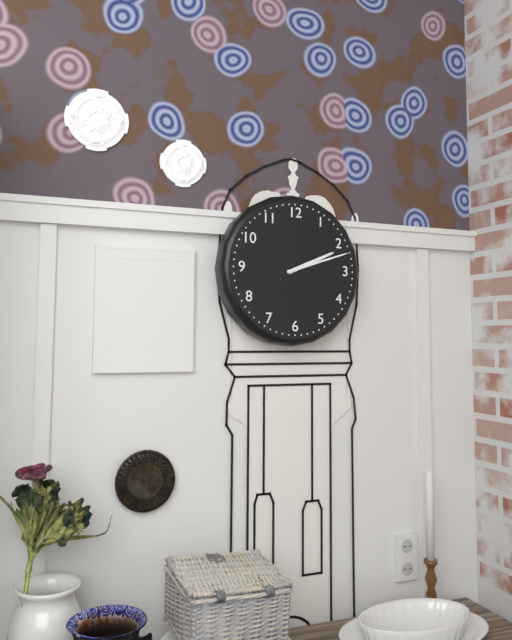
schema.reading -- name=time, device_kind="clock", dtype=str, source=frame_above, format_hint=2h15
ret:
2h12
